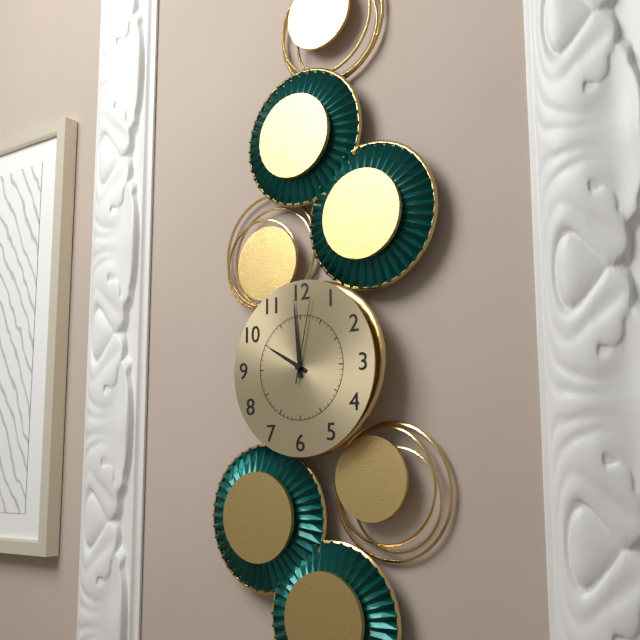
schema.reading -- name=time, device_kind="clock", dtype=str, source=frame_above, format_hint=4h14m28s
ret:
9h59m02s
